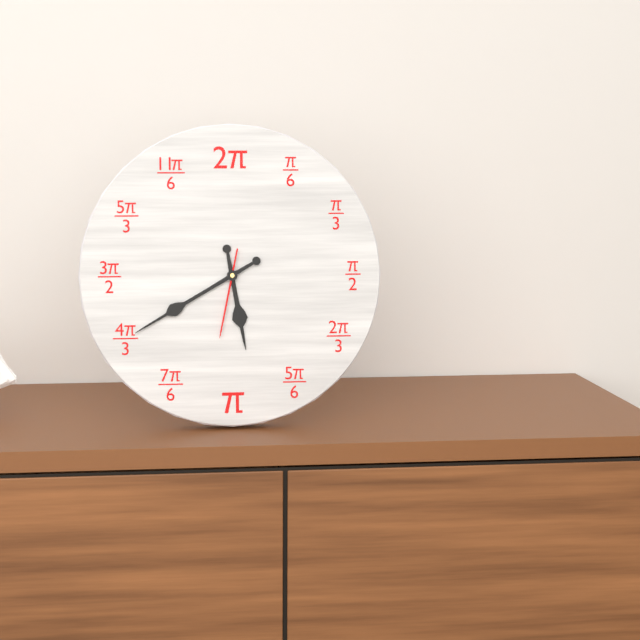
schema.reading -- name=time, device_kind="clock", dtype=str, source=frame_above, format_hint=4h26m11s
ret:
5h40m32s
